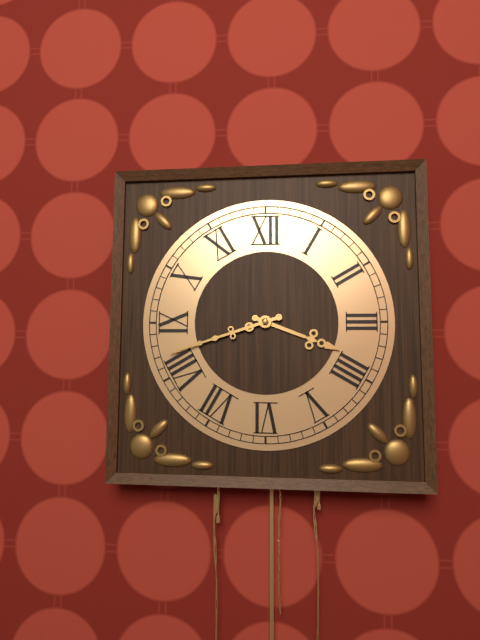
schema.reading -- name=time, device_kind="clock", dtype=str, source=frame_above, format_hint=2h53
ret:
3h42
